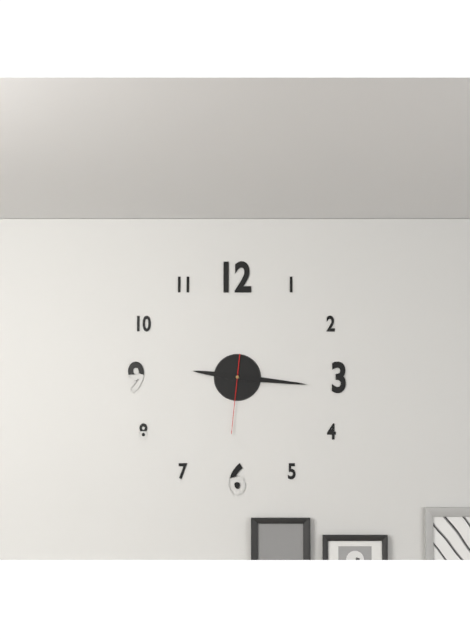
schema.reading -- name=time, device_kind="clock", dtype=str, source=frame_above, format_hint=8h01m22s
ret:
9h16m31s
